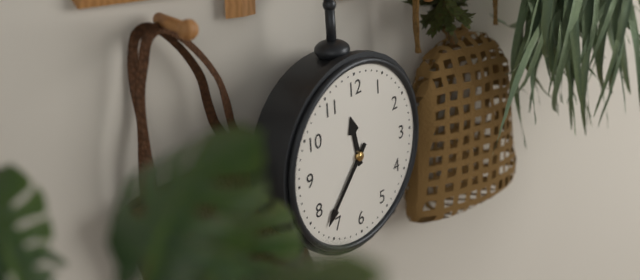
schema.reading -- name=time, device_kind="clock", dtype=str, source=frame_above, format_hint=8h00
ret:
11h37
